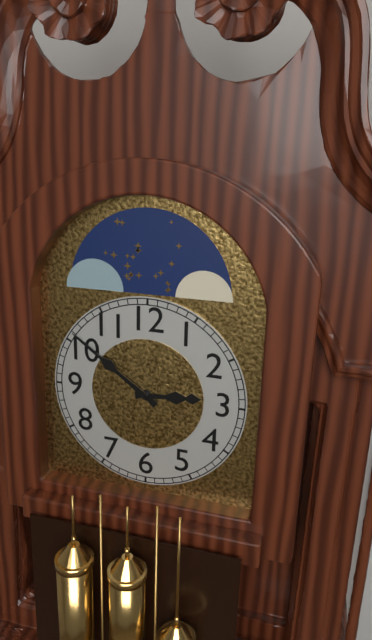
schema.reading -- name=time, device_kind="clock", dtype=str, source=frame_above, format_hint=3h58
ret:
2h51
